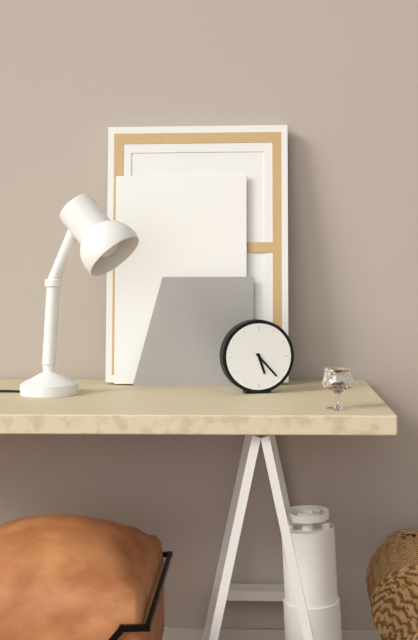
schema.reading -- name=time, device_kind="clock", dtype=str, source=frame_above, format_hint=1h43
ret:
5h23
